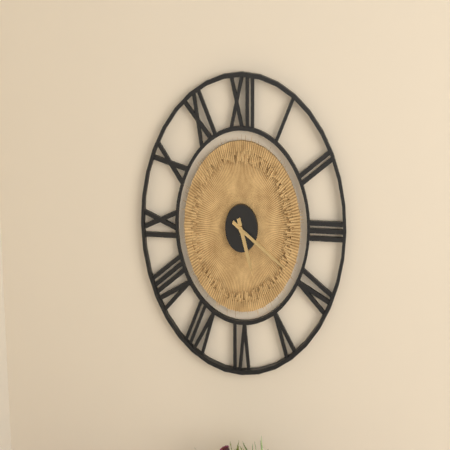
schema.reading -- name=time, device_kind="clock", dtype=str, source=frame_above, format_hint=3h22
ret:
5h20
